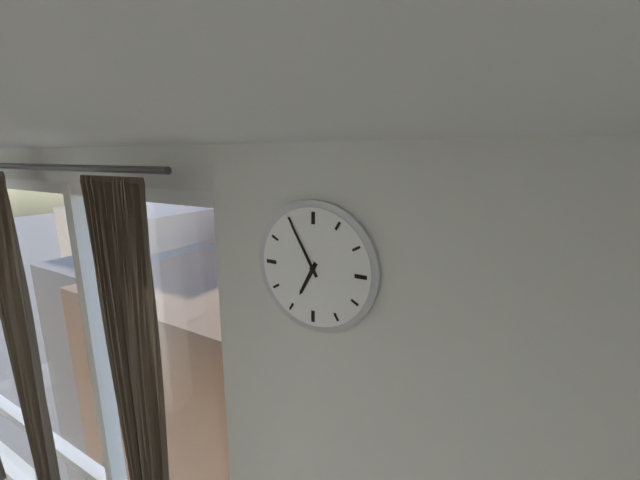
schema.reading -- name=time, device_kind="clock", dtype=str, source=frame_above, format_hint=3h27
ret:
6h55
